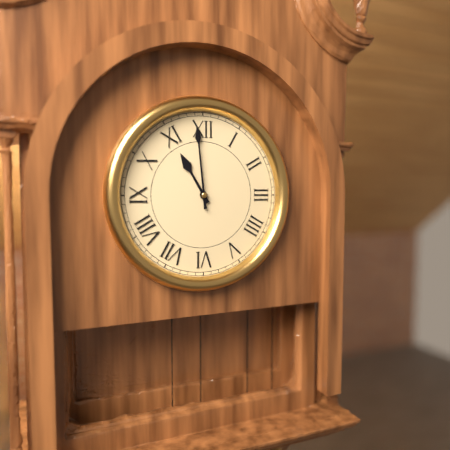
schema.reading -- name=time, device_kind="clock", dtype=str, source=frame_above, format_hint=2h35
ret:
10h59
